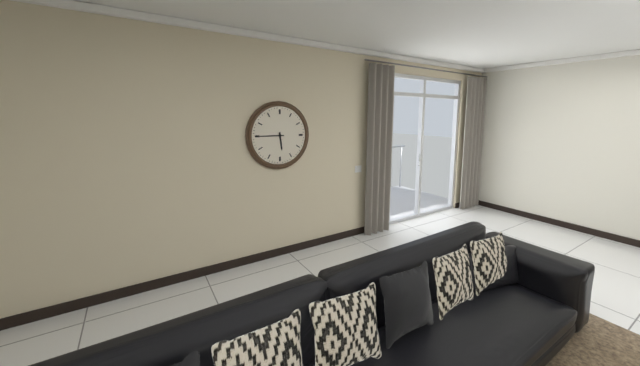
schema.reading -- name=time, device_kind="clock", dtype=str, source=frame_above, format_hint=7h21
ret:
5h45
